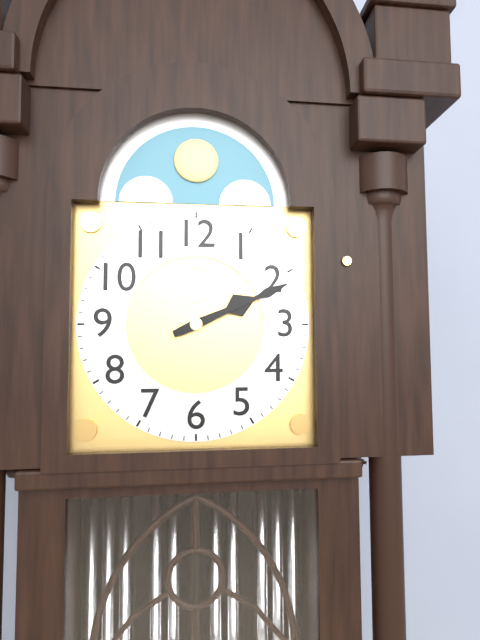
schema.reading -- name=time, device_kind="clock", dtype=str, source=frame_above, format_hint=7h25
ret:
2h11
